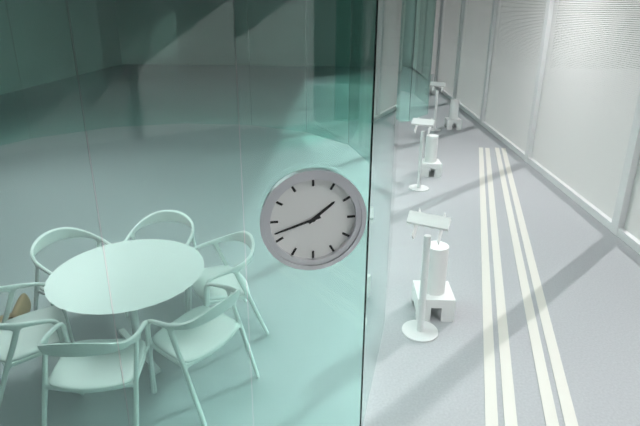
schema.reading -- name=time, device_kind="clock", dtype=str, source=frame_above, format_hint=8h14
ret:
1h42
